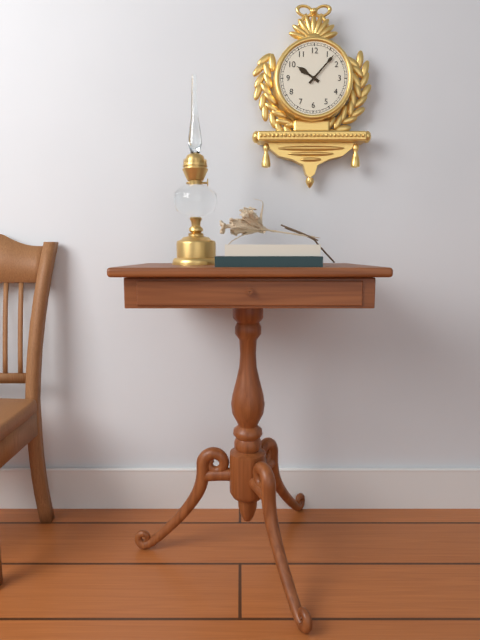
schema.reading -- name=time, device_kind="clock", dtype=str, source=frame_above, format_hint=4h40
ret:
10h07
